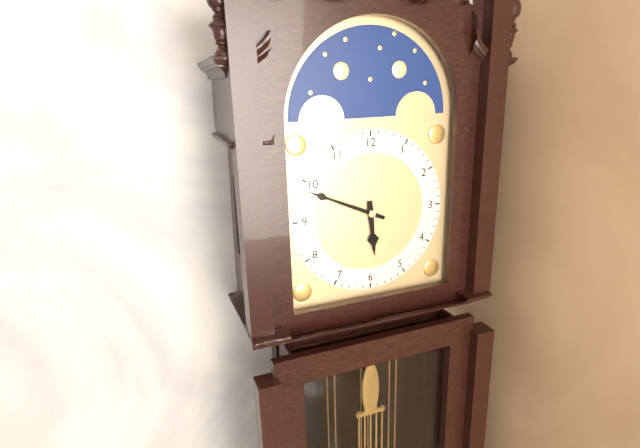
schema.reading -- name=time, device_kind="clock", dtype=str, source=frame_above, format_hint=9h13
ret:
5h49
